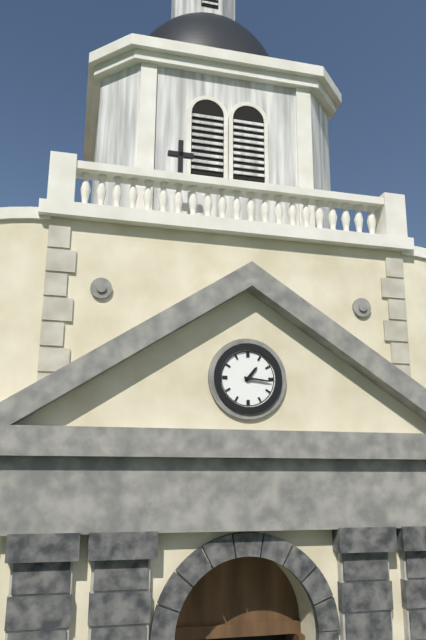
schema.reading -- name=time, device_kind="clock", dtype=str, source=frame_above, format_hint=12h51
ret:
1h16
